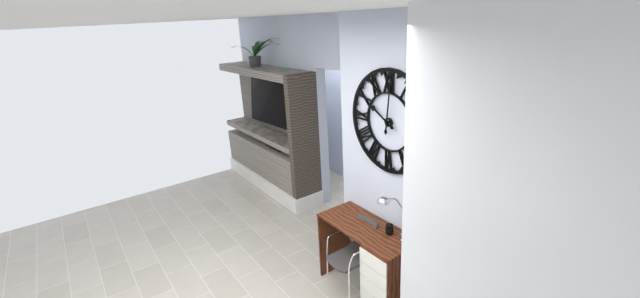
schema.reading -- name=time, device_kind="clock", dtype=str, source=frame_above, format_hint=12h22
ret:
10h01
